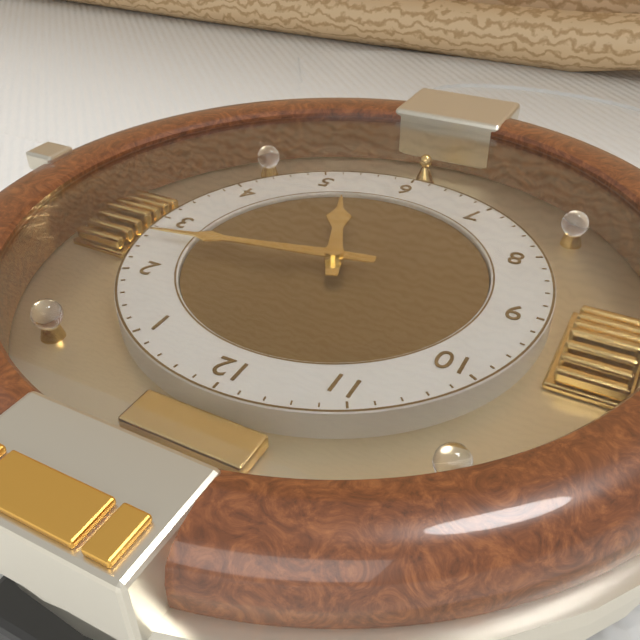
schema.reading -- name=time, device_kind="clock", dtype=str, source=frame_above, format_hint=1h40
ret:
5h13
